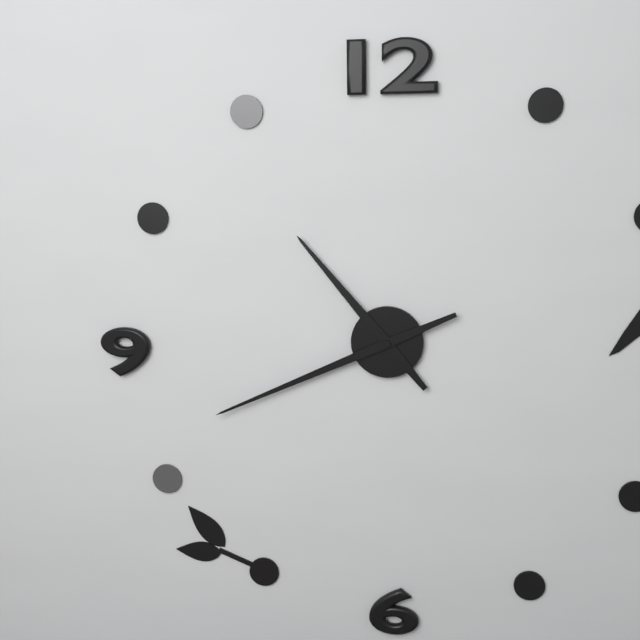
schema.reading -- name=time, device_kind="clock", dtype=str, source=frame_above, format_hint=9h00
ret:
10h41
